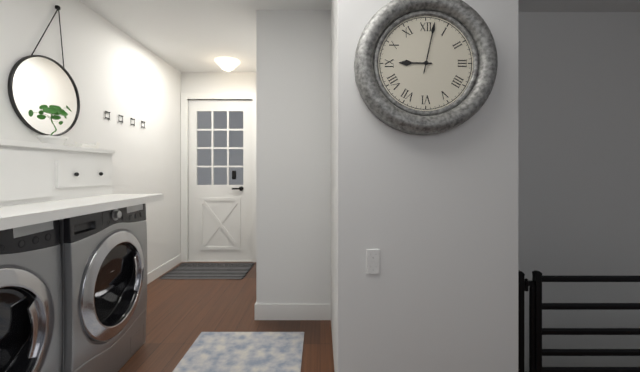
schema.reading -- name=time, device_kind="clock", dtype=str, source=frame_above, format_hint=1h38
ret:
9h02
